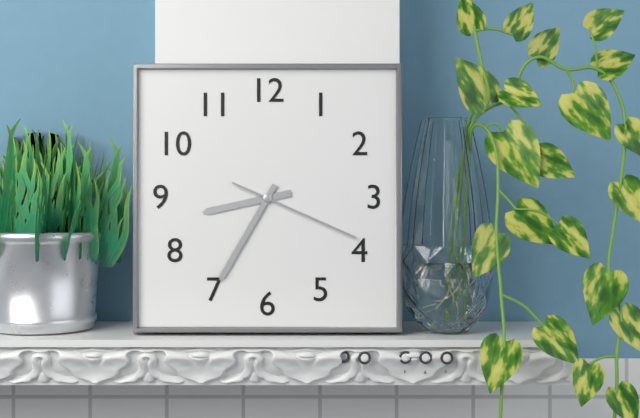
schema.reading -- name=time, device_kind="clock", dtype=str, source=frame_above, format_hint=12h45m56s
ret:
8h35m19s
